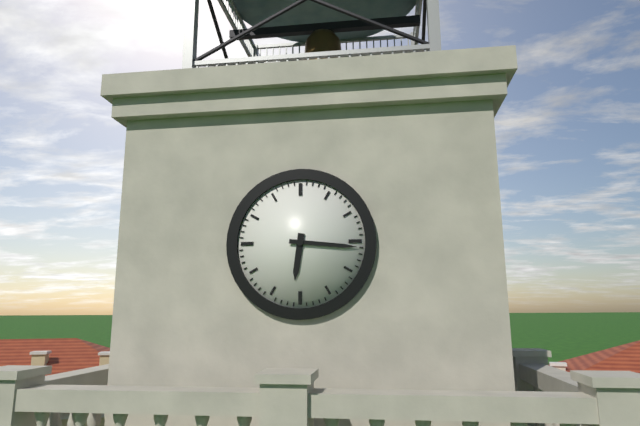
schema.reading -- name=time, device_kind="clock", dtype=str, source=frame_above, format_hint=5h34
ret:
6h16
